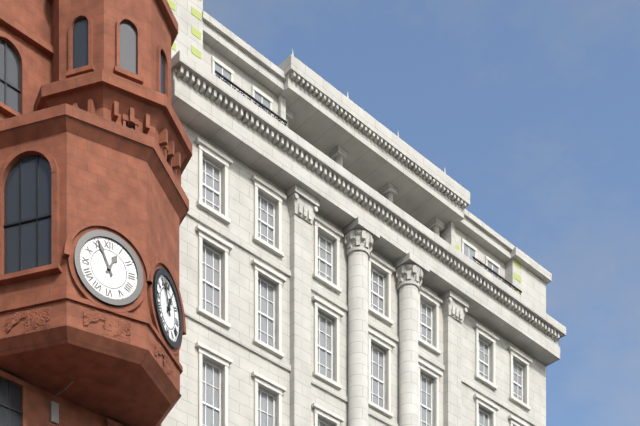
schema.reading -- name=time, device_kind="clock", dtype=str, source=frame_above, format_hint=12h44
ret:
12h56
